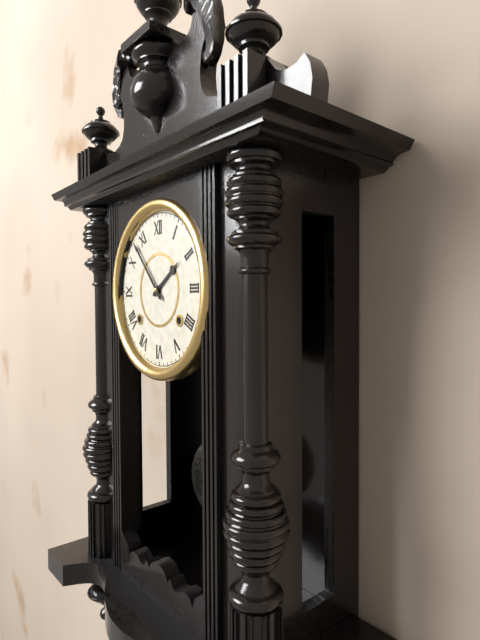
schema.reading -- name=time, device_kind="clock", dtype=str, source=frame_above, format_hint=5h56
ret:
1h53
